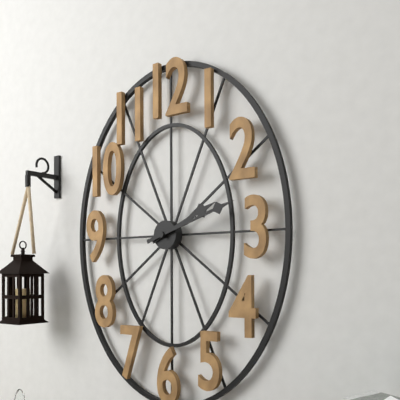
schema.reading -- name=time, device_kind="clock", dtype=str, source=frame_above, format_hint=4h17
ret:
2h12
